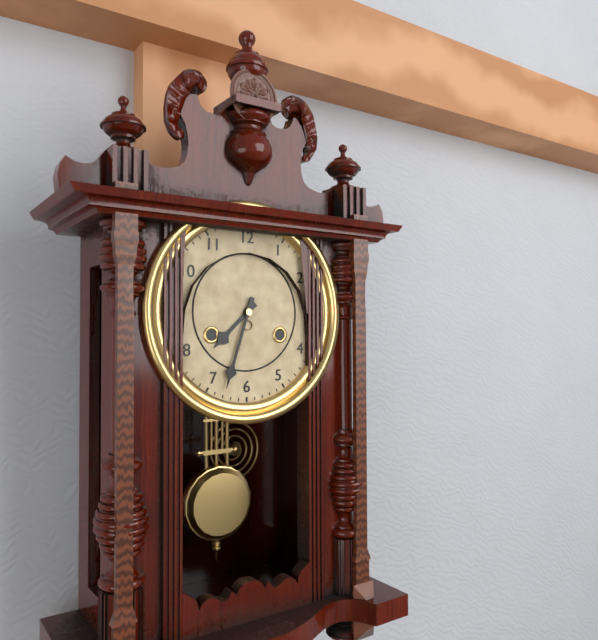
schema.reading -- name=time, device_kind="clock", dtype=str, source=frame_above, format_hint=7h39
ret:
7h33
